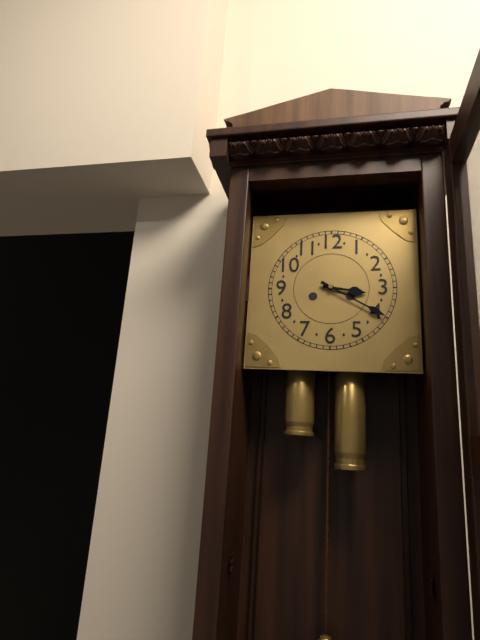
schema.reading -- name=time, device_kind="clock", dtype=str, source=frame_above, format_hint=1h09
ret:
3h20
